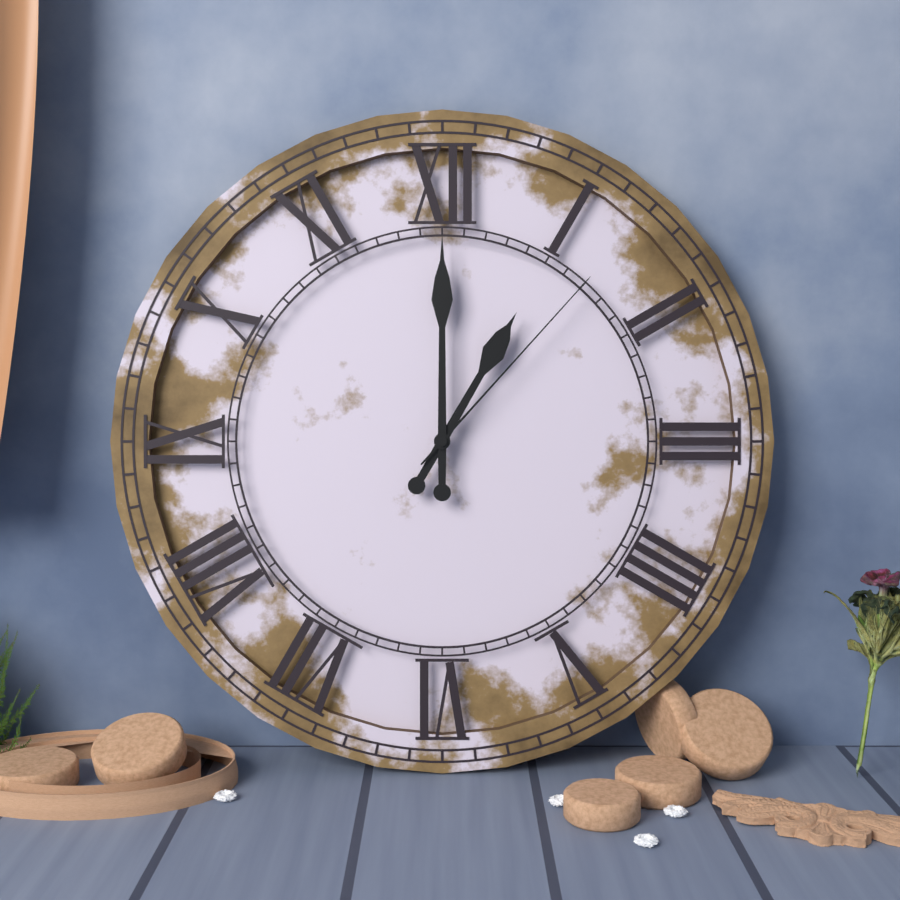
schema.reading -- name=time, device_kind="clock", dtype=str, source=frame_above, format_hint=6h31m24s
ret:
1h00m07s
